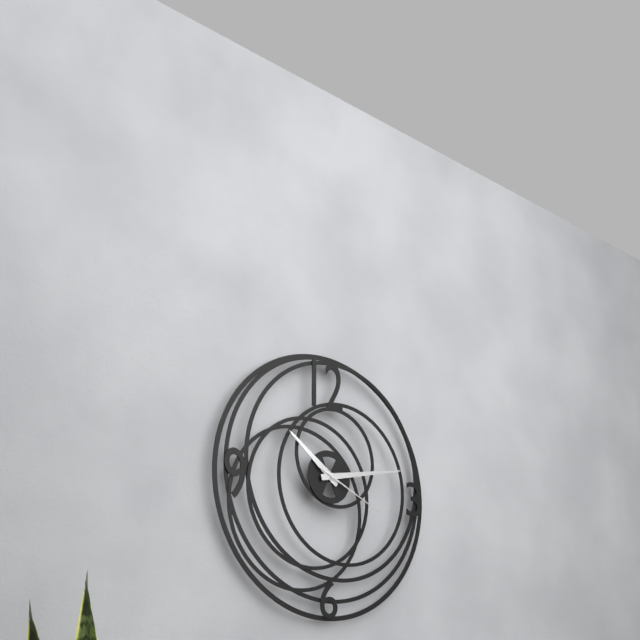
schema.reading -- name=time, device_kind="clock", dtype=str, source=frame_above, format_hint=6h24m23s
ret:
10h13m19s
